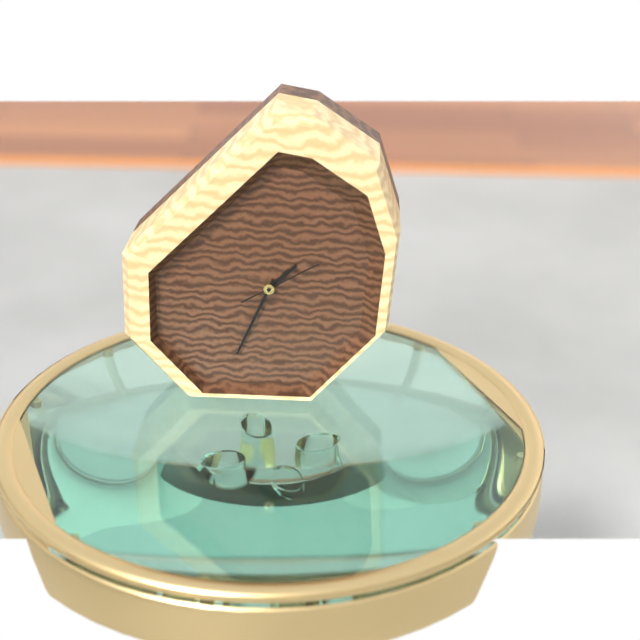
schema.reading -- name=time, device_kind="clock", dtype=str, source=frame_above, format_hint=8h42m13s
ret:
1h34m10s
